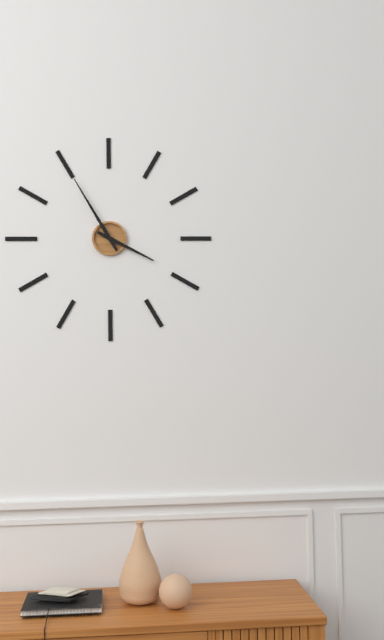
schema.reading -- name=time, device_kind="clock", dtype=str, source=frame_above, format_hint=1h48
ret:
3h55
